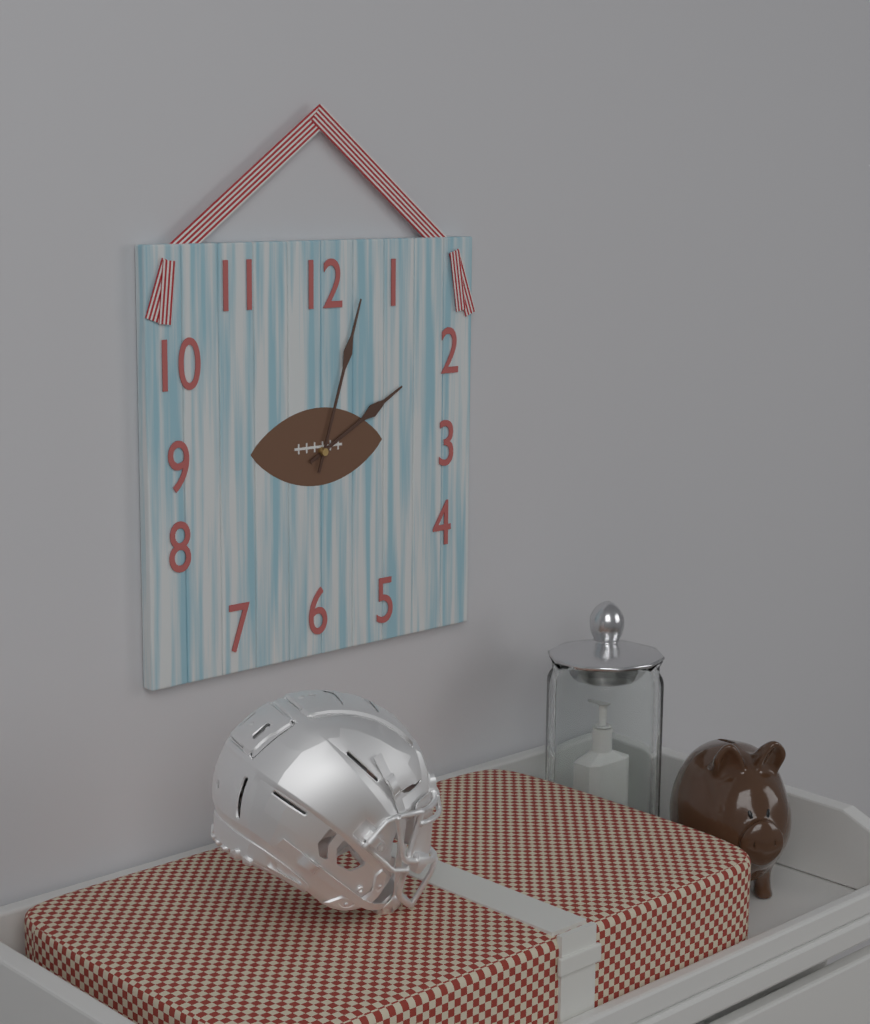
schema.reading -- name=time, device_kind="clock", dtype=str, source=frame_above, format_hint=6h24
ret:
2h03
